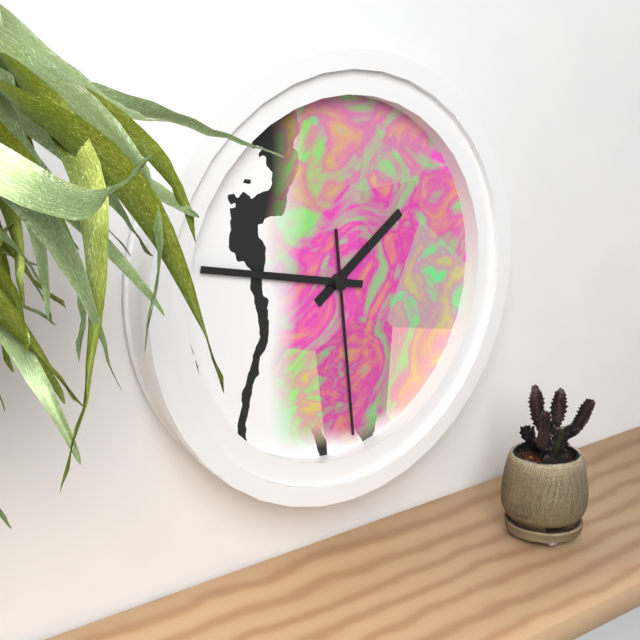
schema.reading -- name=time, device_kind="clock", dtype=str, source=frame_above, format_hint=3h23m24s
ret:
1h47m29s
